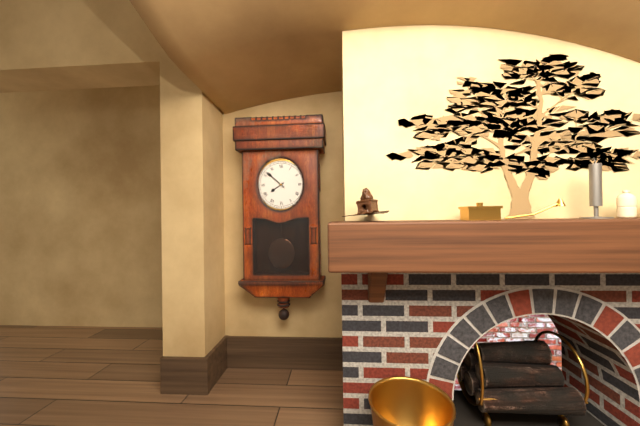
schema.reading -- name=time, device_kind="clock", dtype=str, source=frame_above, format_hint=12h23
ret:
7h52
